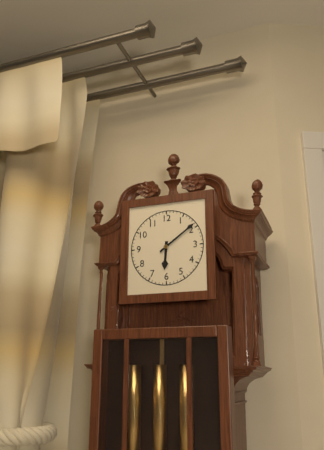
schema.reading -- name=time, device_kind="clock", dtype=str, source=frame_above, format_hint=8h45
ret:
6h09
